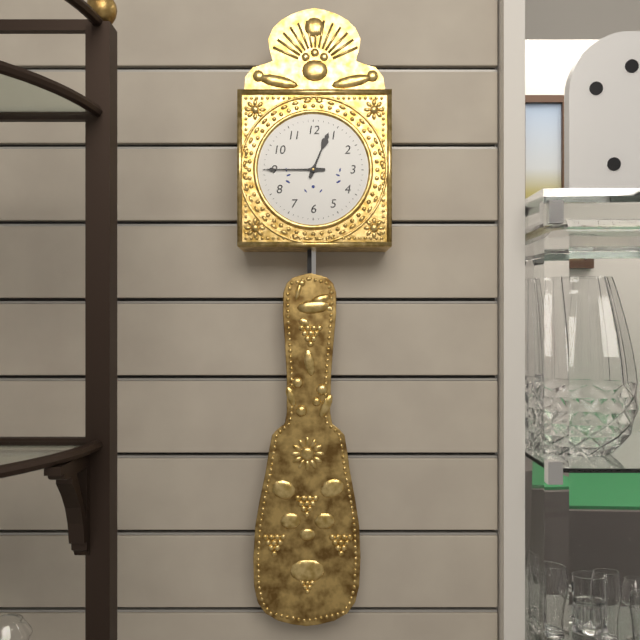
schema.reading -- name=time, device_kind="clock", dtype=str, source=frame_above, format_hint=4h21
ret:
12h45
